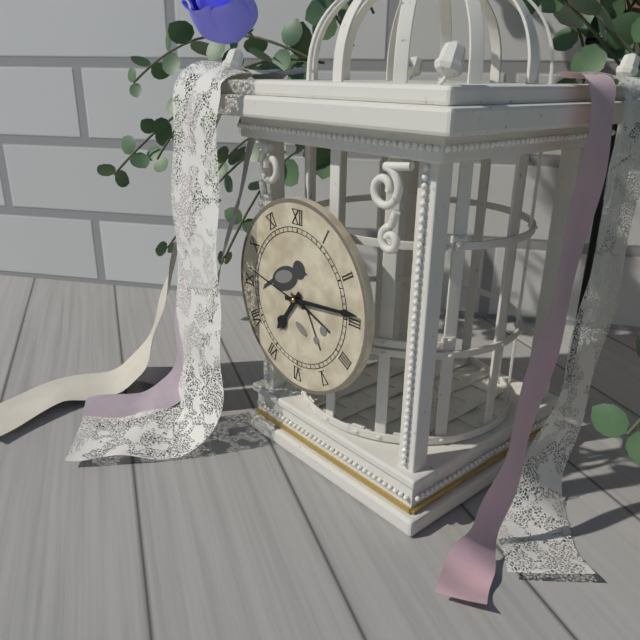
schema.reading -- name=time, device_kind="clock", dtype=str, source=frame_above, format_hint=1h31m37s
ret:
7h14m47s
